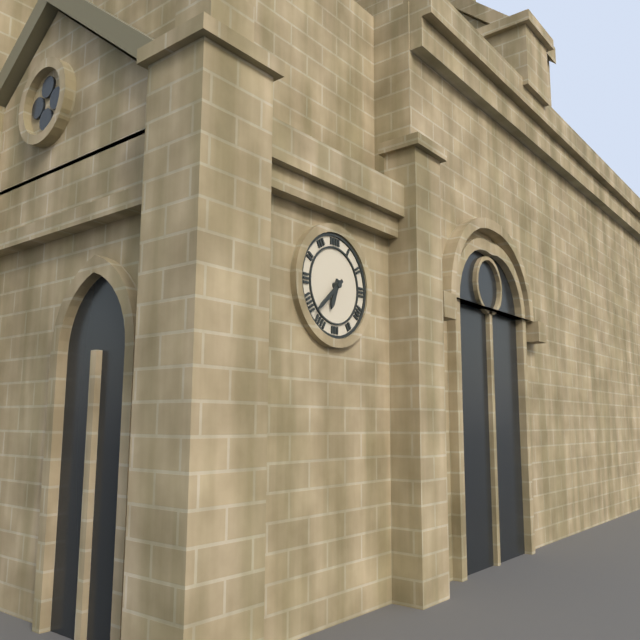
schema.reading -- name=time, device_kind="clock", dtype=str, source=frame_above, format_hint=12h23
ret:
6h38
